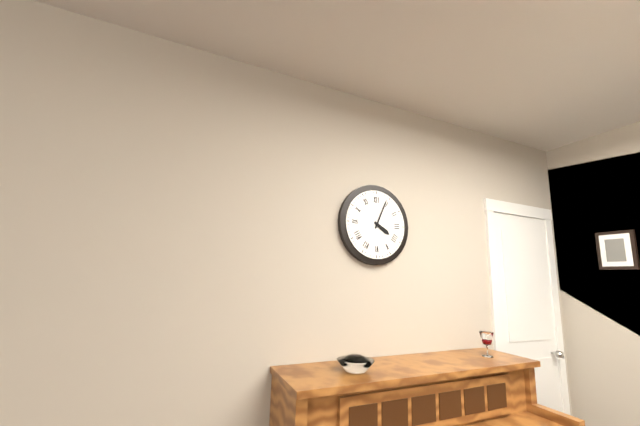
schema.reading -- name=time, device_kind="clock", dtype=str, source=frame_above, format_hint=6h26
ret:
4h04
